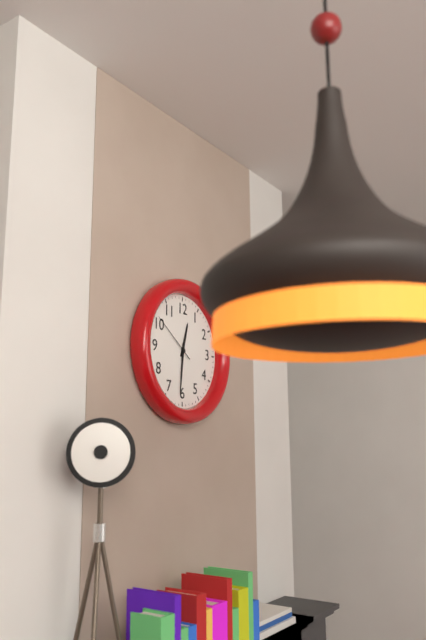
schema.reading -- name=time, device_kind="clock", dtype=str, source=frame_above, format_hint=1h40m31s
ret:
12h31m51s
